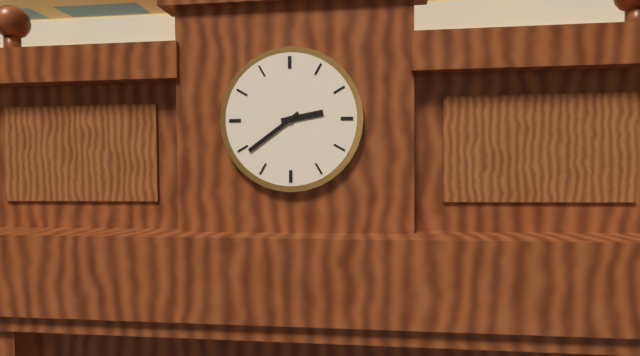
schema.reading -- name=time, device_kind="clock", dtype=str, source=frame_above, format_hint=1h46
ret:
2h39
